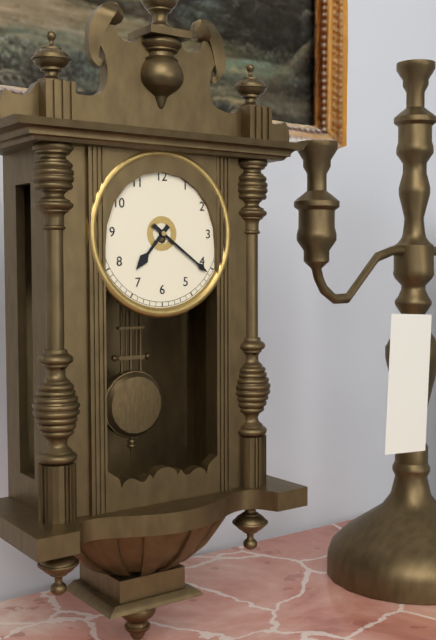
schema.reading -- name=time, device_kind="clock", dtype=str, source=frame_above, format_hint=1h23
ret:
7h21
